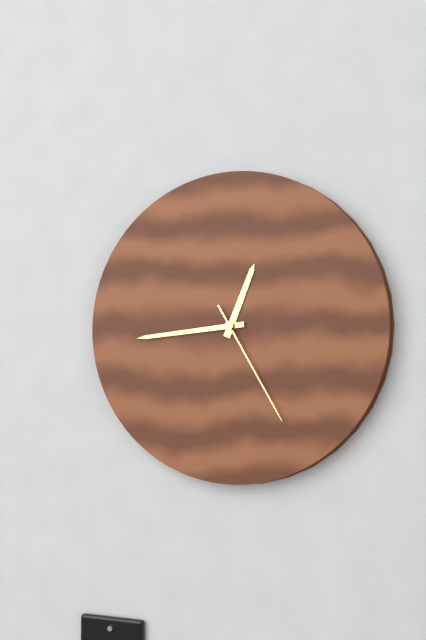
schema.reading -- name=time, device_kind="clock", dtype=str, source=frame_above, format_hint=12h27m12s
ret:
12h44m25s
